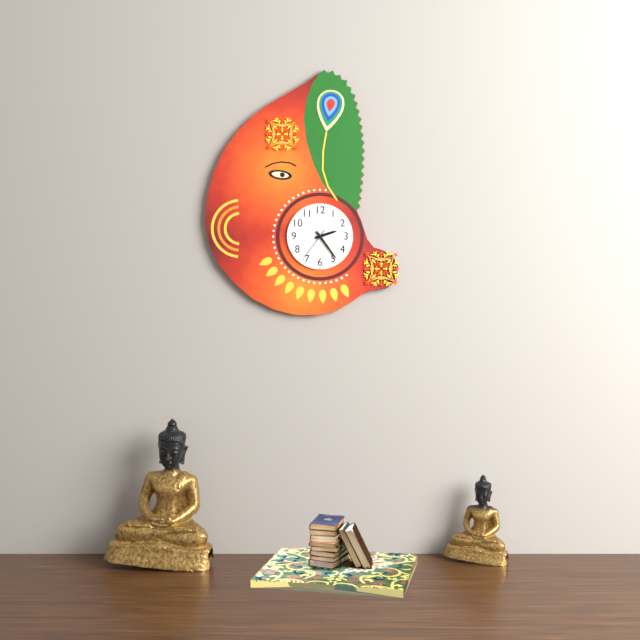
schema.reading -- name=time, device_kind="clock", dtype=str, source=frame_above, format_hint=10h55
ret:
2h24
